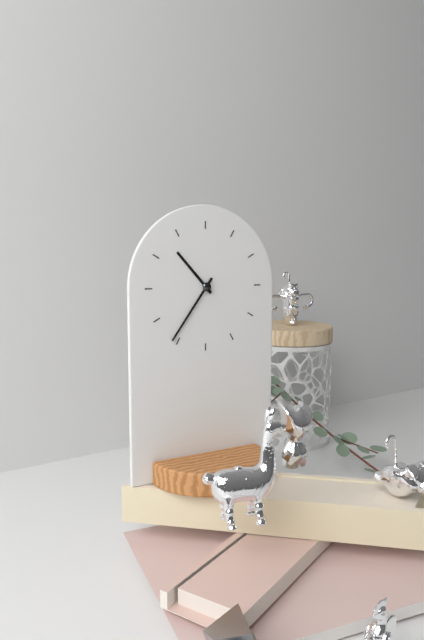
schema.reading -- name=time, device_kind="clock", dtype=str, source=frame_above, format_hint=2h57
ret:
10h36
